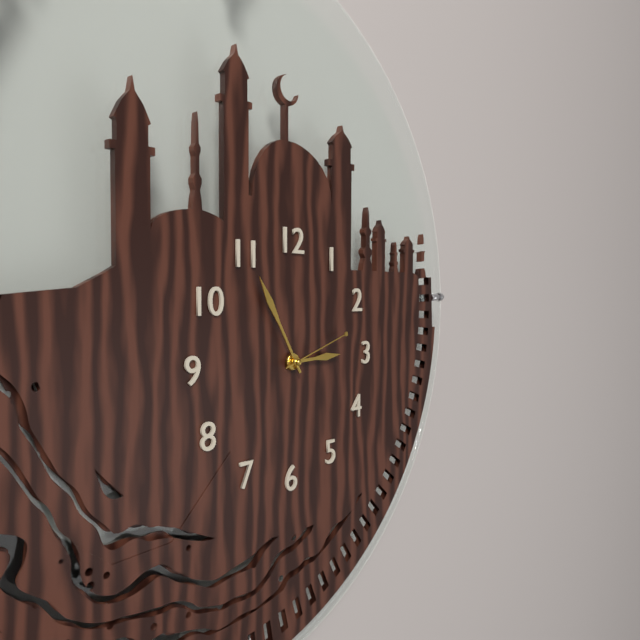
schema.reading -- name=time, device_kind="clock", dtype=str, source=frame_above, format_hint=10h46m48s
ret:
2h55m12s
